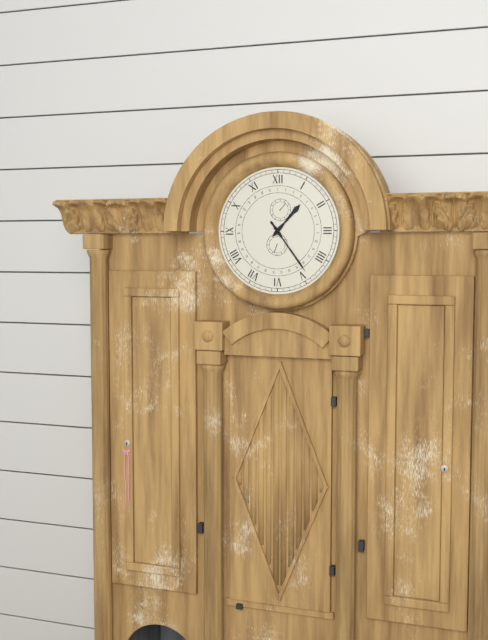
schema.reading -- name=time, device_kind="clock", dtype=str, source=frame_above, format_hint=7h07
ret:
1h24
